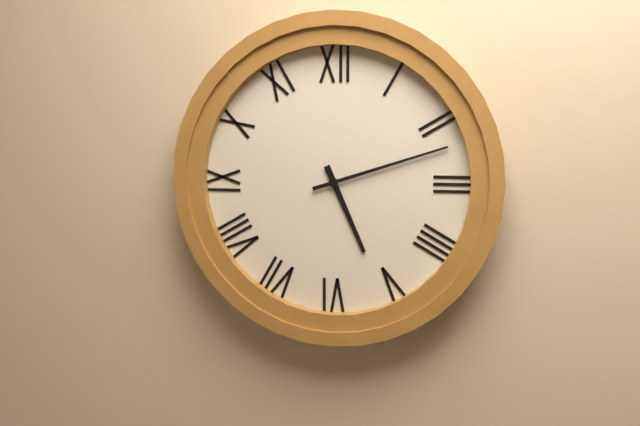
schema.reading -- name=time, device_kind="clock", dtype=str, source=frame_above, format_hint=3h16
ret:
5h12
